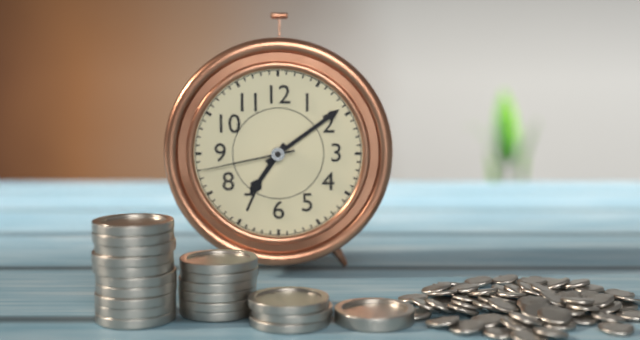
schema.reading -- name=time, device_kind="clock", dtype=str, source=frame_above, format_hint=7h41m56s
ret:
7h09m43s
